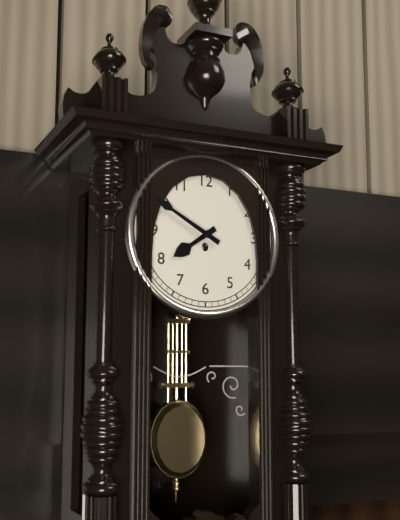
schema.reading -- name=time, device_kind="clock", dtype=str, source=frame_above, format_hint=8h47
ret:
7h50
